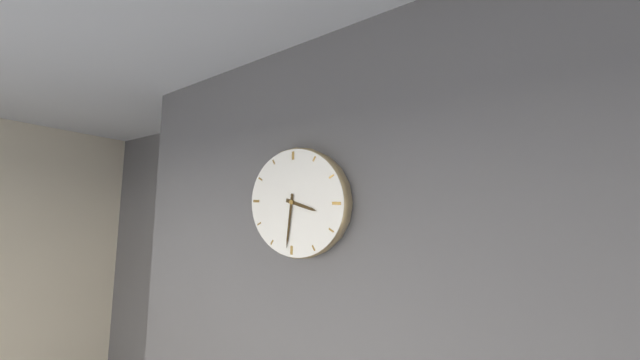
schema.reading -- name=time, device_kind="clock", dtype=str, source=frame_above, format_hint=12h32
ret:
3h31
